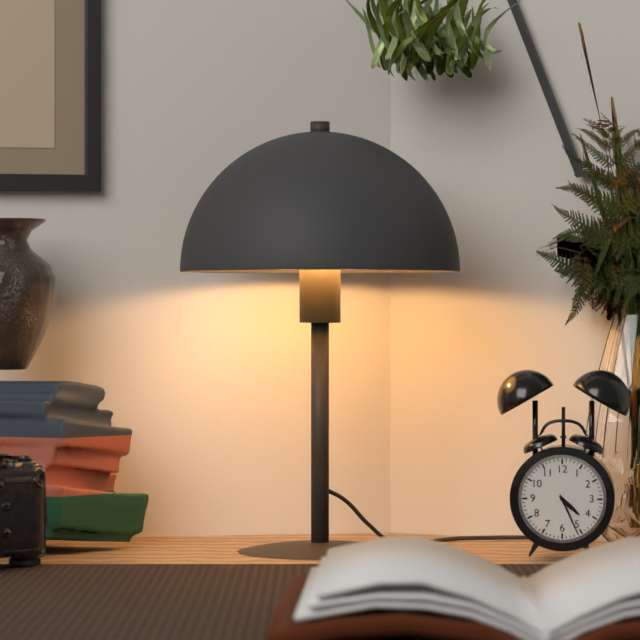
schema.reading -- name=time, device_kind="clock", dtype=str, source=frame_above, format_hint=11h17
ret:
4h26
